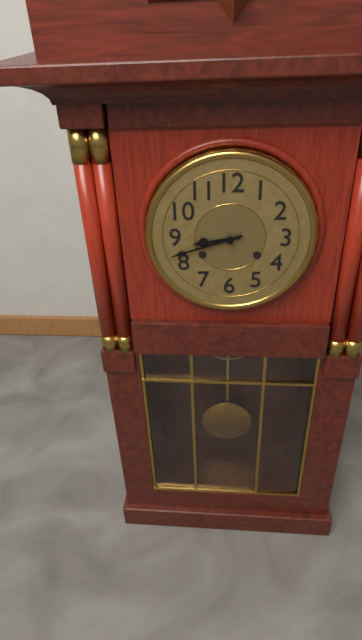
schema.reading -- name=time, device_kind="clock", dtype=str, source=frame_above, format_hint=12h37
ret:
8h42
